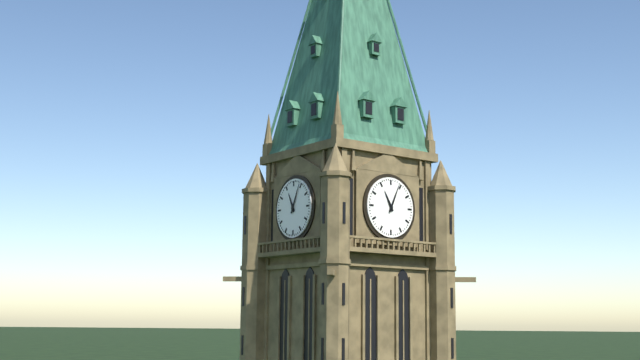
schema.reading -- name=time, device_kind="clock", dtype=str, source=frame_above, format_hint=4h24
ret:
11h04
